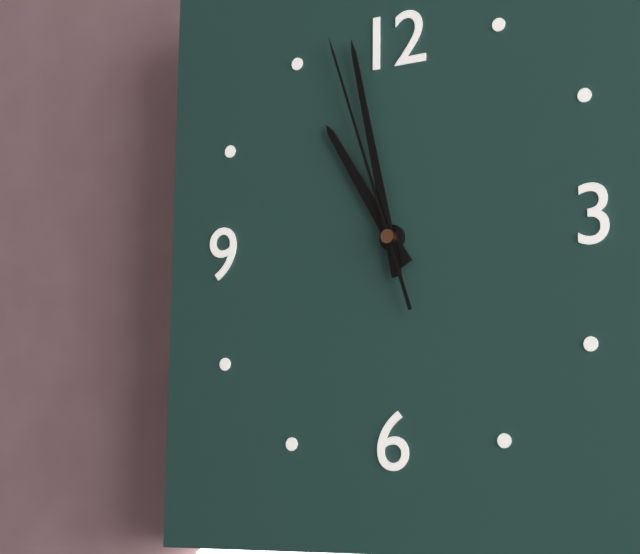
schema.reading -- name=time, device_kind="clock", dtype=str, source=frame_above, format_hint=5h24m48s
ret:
10h58m57s
